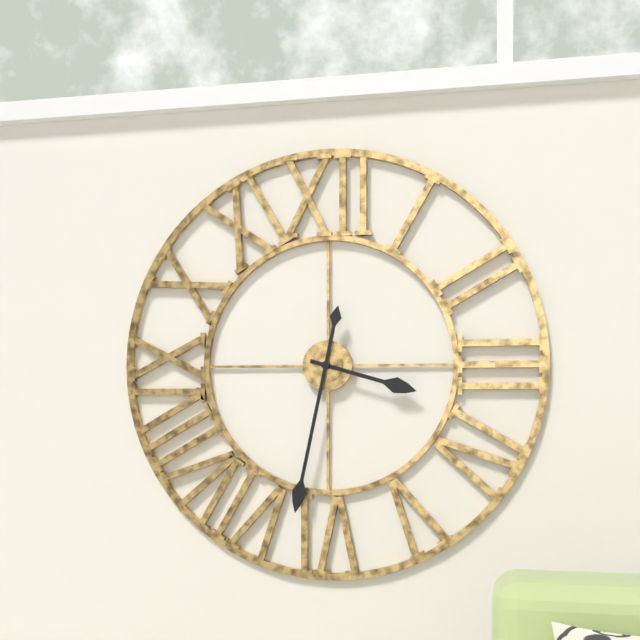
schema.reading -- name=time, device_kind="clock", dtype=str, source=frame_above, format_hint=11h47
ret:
3h32
